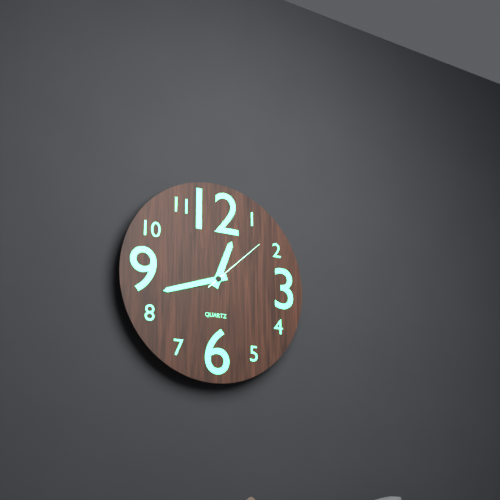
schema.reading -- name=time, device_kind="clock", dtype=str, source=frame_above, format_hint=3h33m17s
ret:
12h42m08s
